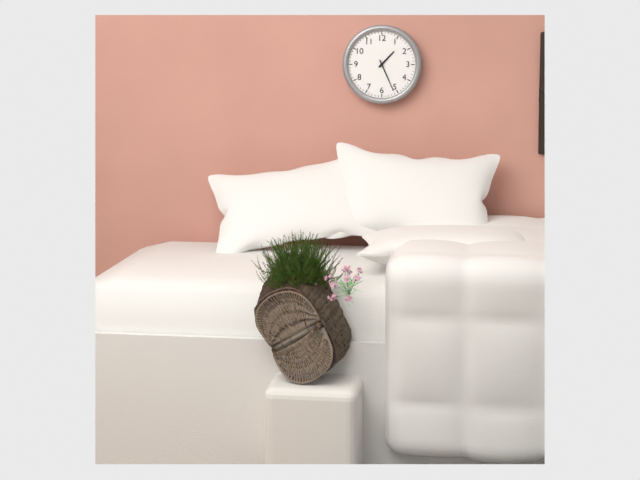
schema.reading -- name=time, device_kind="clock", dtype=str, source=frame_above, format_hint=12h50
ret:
1h26
